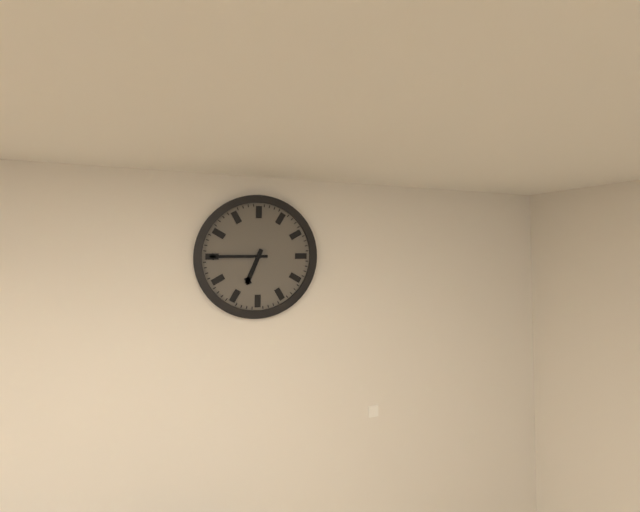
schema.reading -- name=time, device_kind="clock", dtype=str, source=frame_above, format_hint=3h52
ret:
6h45
